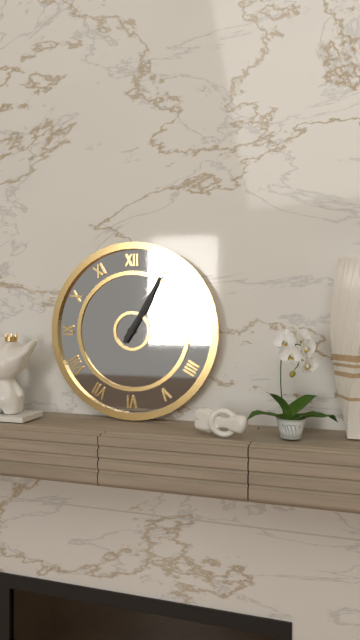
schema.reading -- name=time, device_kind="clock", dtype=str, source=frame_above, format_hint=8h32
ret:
1h05
